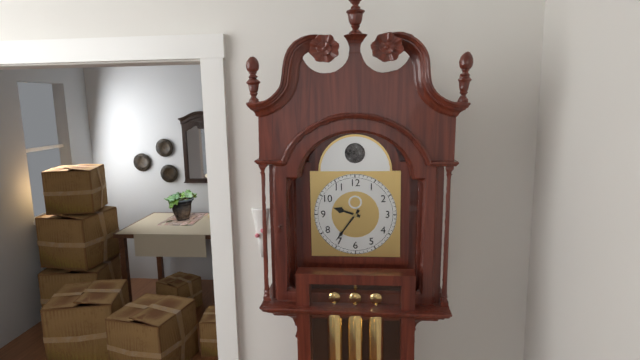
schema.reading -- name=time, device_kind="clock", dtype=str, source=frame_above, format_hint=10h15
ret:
9h36
